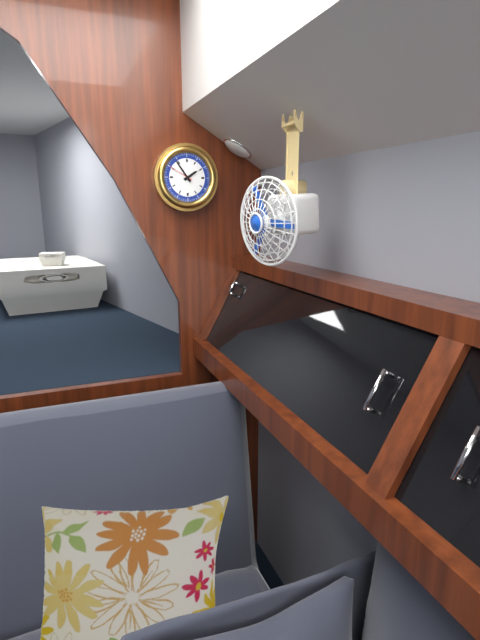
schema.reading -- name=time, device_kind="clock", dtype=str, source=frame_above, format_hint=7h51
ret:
1h54
